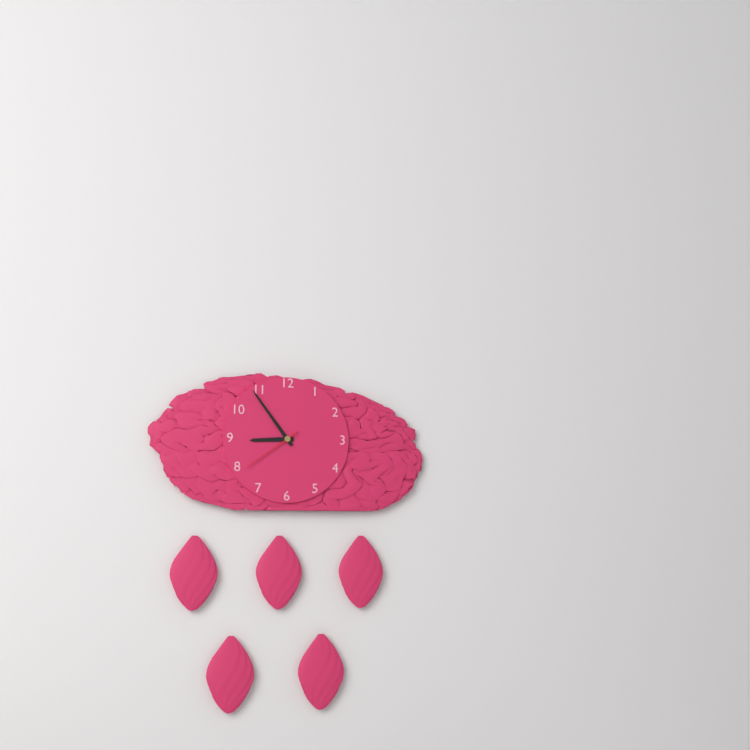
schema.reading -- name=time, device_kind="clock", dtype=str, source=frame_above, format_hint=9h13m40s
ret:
8h54m39s
